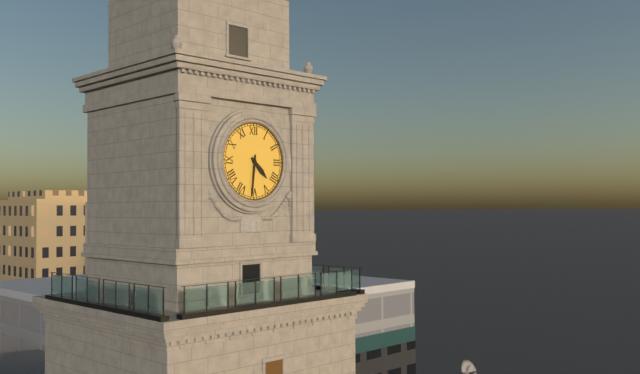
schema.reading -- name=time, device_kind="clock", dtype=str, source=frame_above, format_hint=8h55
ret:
4h31
